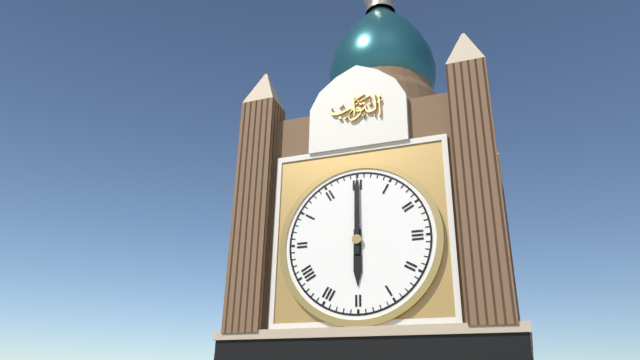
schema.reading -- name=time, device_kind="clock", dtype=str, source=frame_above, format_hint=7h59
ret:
6h00
